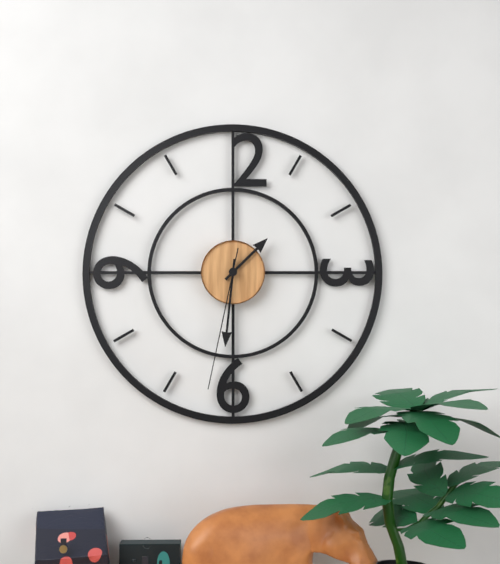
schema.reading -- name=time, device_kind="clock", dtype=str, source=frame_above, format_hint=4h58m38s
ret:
1h31m32s
